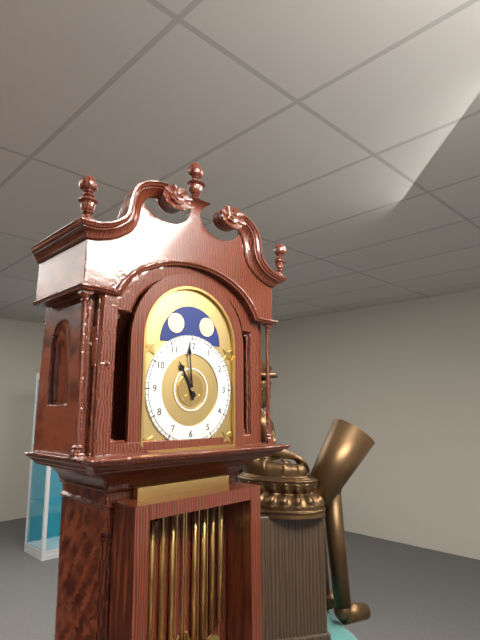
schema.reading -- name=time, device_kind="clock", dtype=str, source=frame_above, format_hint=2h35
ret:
10h59
